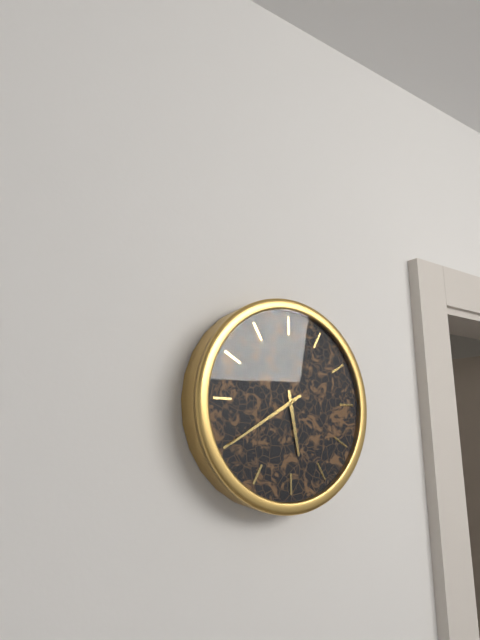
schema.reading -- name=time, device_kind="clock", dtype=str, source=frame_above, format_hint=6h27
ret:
5h40
